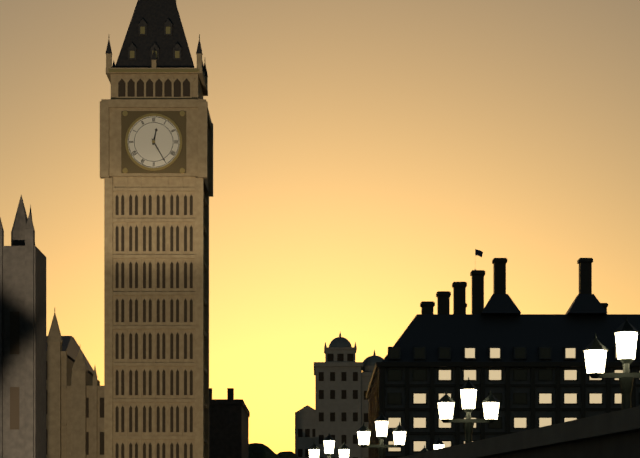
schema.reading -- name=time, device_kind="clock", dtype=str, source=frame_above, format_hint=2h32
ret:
12h25
